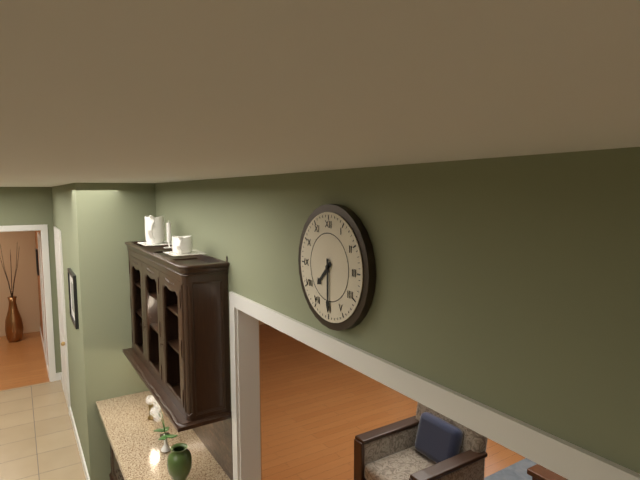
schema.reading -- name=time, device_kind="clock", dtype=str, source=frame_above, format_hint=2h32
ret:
7h30
